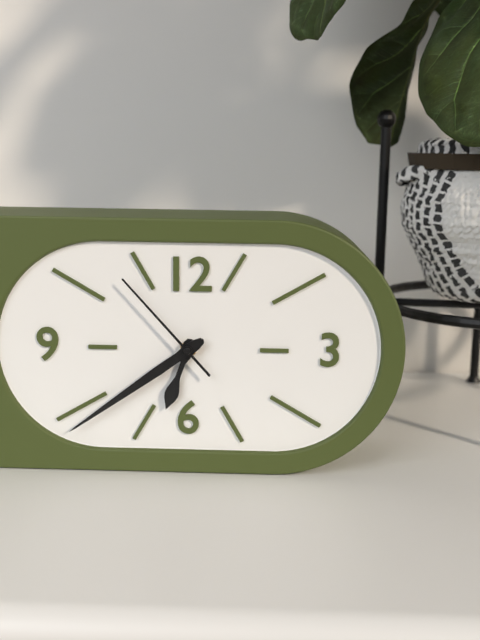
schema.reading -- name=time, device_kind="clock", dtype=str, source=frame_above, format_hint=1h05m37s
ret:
6h39m53s
